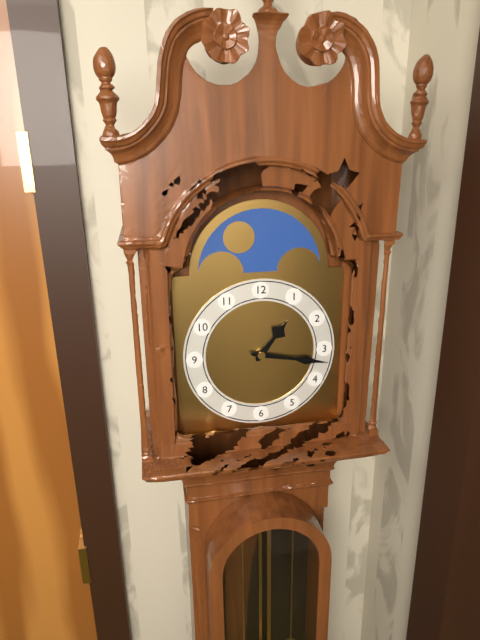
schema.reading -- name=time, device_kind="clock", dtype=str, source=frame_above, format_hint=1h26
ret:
1h17
